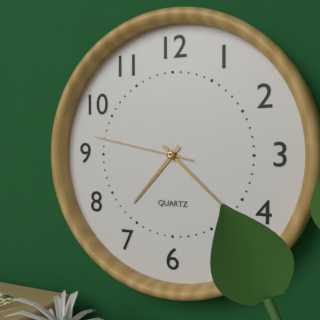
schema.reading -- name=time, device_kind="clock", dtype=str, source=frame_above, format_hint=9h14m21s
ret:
7h22m47s
